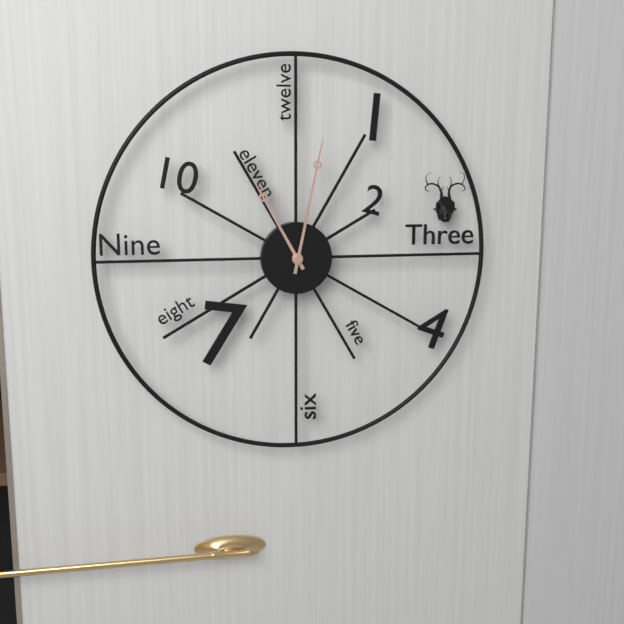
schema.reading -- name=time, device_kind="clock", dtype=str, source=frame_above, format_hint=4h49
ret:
11h02
